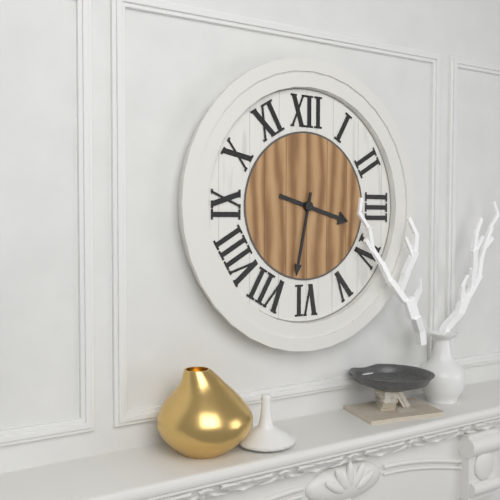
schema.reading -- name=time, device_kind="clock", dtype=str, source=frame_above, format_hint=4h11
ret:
3h32
